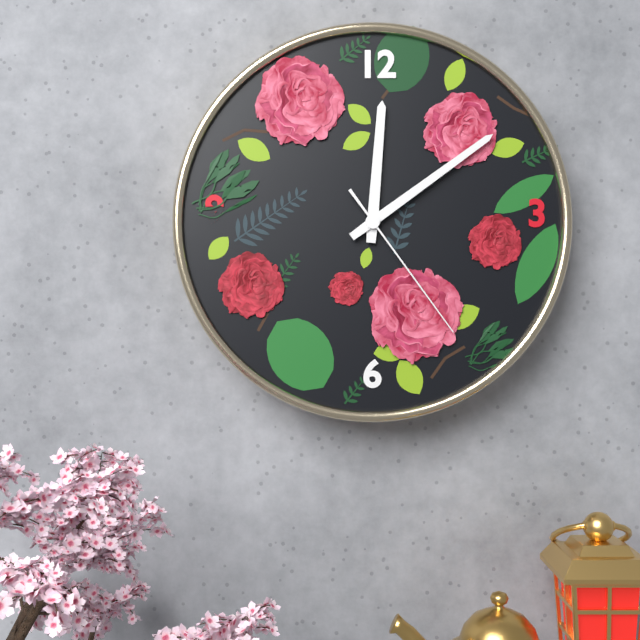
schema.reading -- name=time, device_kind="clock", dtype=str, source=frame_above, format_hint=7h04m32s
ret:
12h09m24s
